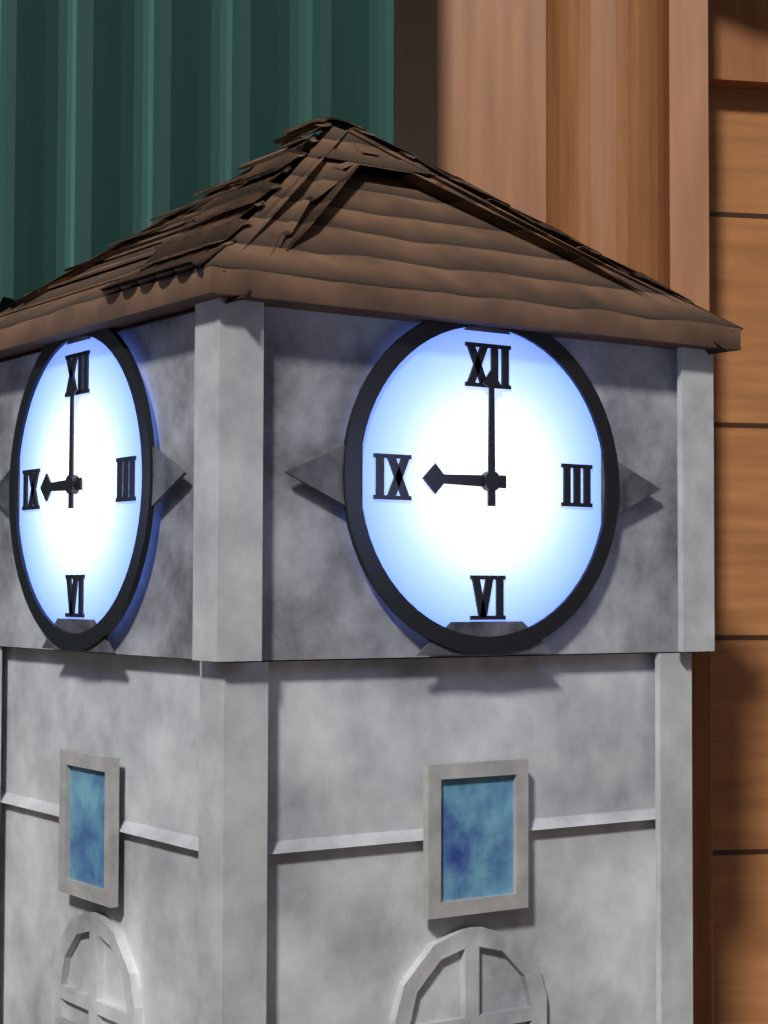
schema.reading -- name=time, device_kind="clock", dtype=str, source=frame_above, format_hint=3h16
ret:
9h00
